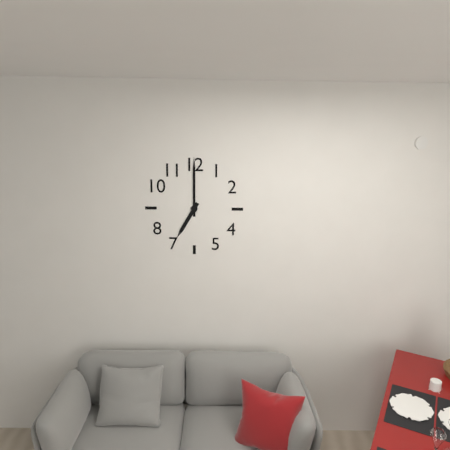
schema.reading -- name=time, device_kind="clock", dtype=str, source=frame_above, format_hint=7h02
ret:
7h00
